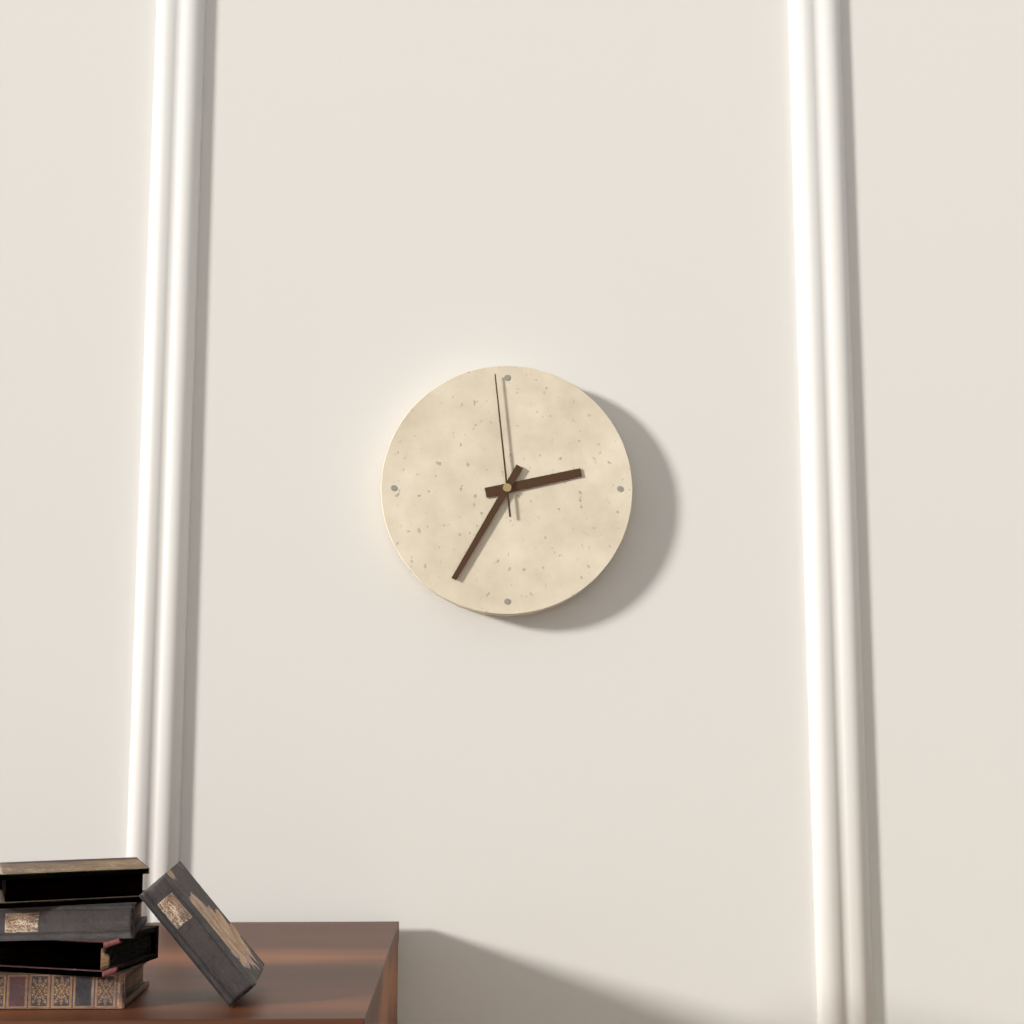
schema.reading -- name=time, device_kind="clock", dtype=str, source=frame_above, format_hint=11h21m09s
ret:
2h35m59s
